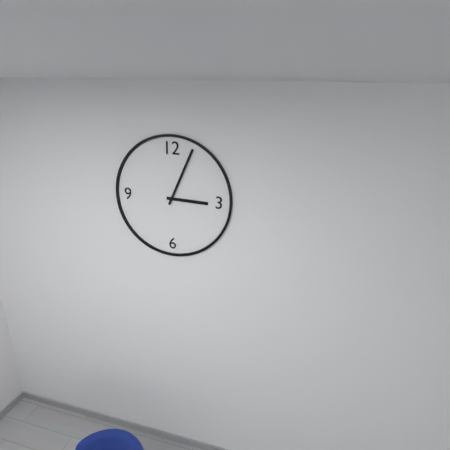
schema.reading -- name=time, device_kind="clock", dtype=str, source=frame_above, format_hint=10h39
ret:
3h04
